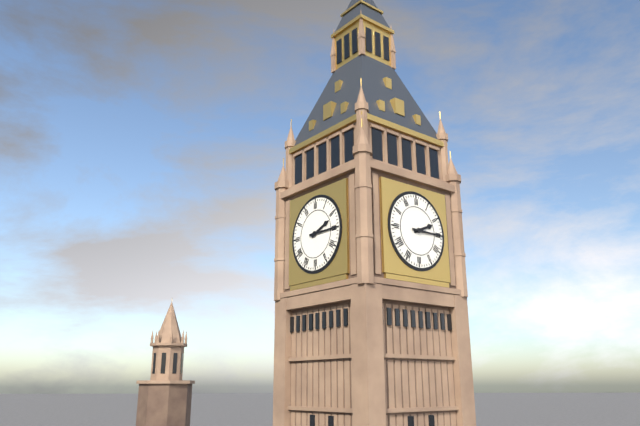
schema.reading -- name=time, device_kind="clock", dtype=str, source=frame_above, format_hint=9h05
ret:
2h15
